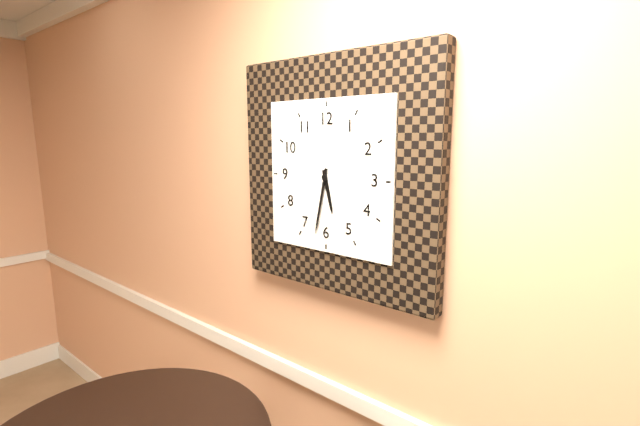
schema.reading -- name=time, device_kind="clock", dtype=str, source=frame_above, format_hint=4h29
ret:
5h32
